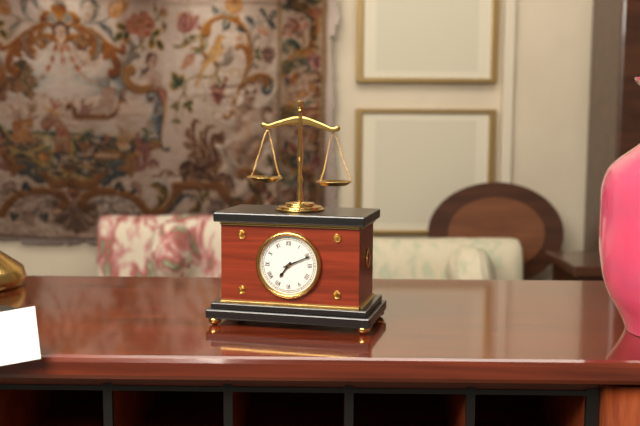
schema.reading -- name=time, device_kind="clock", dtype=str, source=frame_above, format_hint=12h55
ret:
7h11
